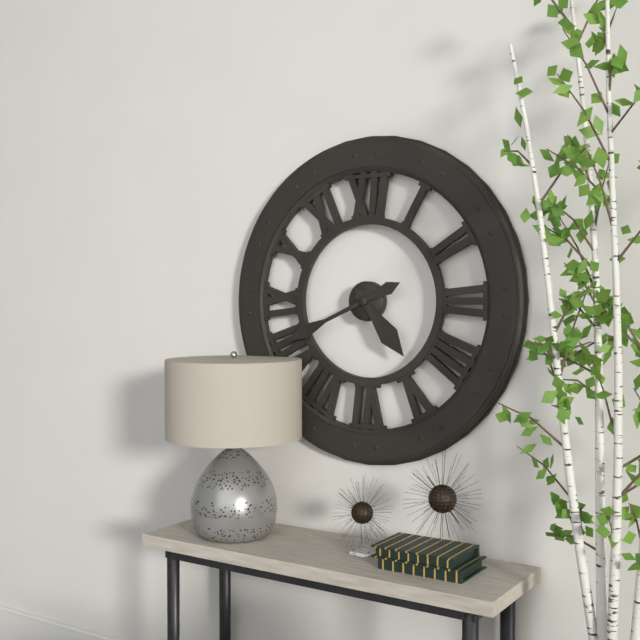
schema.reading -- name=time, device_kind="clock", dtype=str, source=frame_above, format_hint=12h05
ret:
4h41
